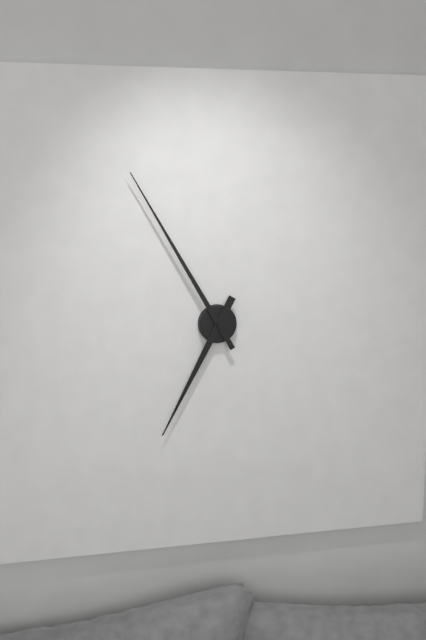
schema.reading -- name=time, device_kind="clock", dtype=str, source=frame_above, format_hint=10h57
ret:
6h55
